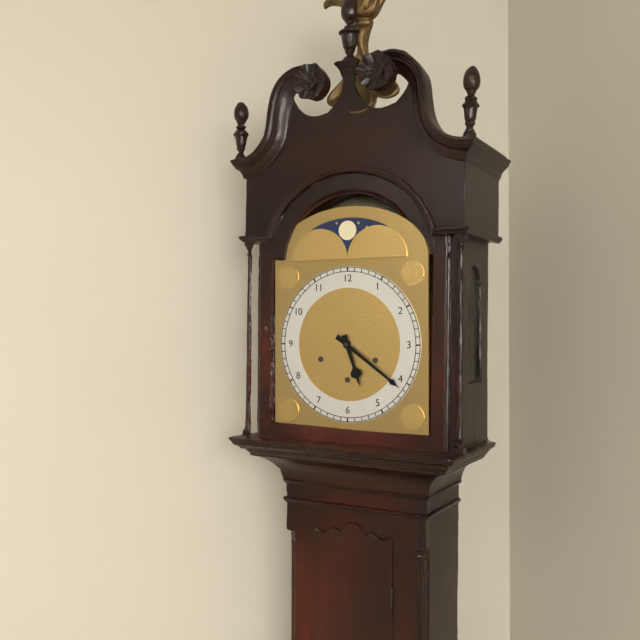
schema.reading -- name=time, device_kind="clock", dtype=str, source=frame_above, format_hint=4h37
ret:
5h21
